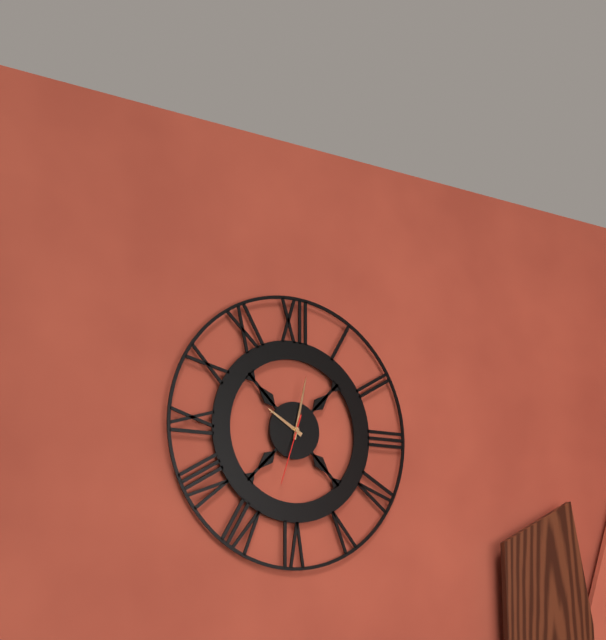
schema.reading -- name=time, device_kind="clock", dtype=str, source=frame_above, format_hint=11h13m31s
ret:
10h02m33s
